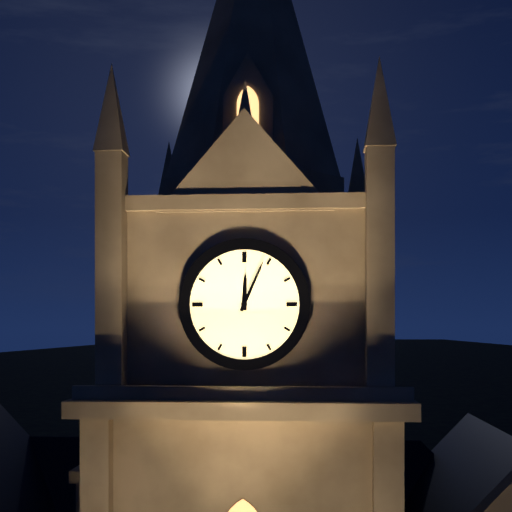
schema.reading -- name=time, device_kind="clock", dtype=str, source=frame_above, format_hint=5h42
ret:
12h04
